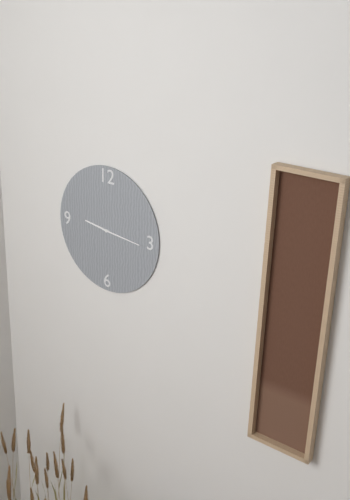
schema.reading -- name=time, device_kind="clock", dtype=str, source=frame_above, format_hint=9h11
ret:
9h16
